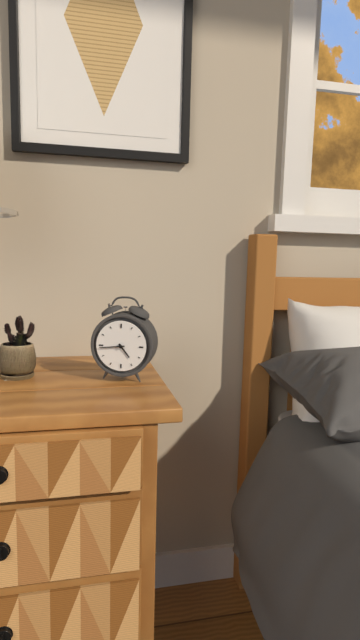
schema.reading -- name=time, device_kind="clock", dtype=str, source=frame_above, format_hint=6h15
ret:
4h44
